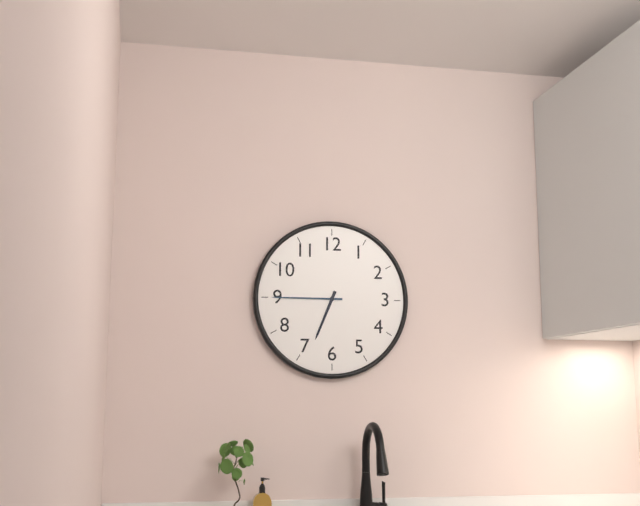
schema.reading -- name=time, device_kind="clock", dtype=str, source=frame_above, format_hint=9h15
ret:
6h45
